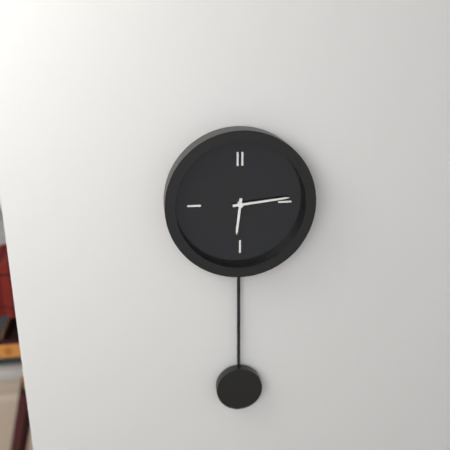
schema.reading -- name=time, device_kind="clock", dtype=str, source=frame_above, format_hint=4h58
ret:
6h14
